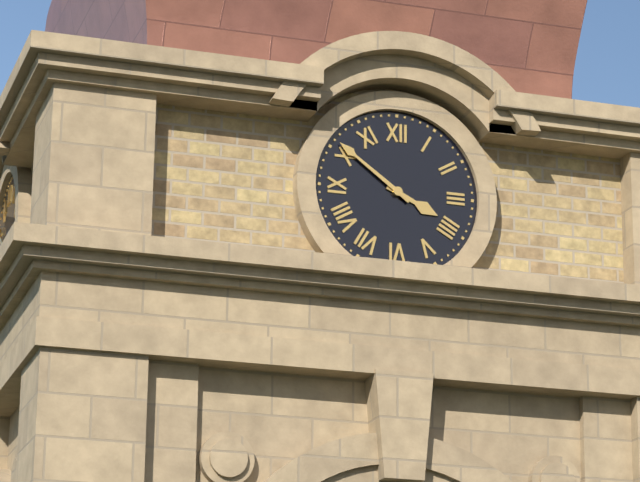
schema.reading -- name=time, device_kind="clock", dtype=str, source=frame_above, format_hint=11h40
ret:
3h51
